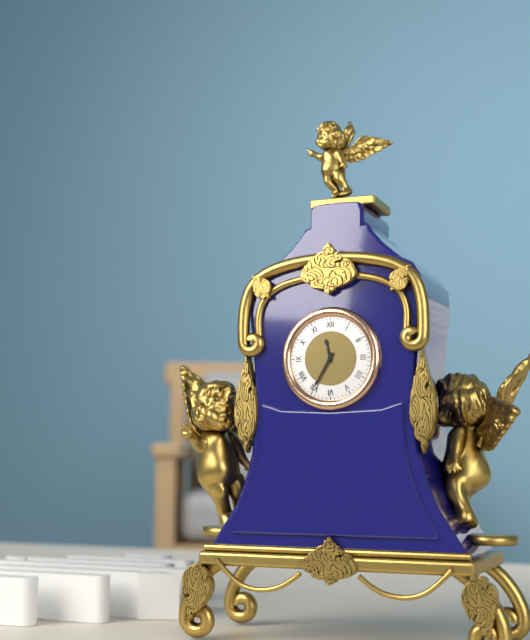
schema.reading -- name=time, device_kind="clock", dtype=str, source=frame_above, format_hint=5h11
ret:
11h35
